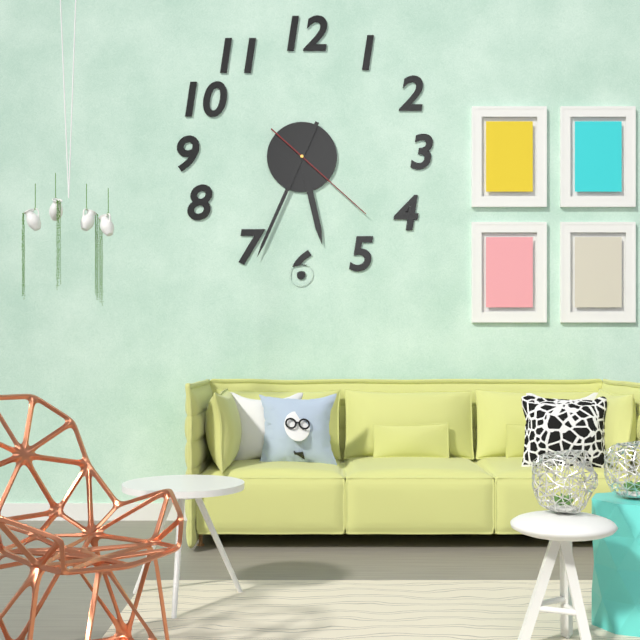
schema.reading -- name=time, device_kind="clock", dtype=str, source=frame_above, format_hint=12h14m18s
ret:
5h34m22s
